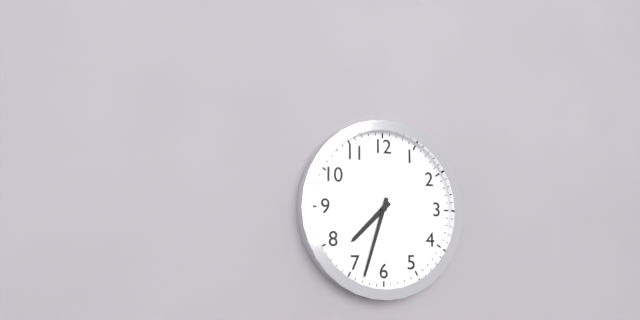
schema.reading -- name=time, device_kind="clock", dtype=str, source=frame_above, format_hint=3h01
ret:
7h33
